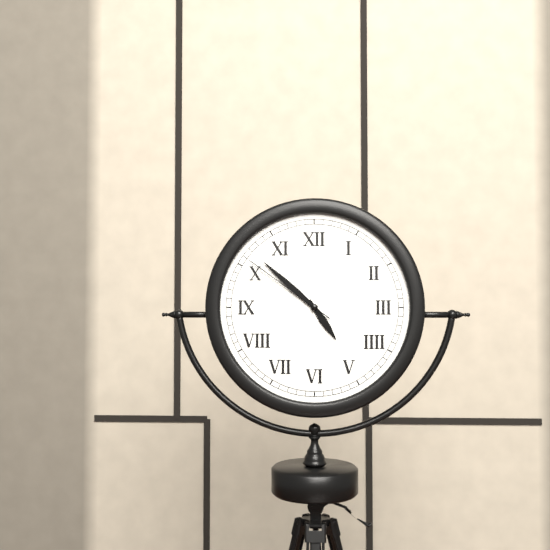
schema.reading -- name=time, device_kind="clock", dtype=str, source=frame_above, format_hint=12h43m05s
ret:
4h52m51s
